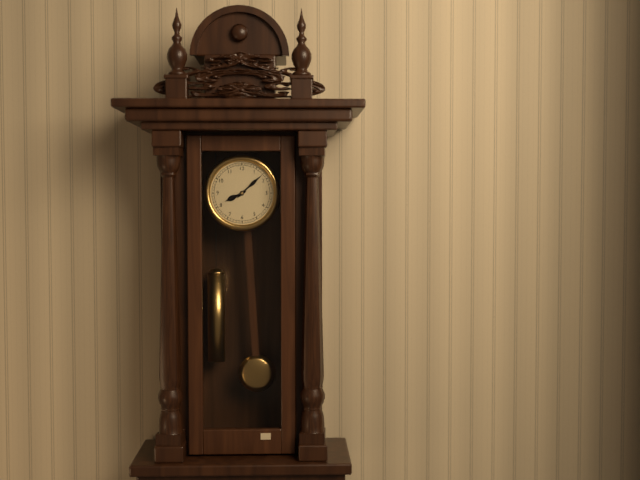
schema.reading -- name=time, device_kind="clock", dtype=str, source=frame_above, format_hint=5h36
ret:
8h08
